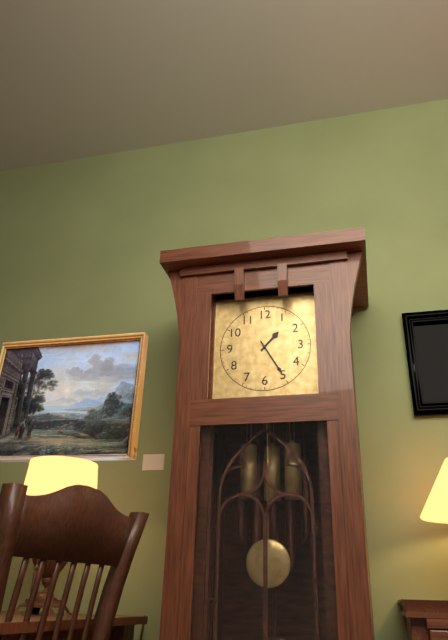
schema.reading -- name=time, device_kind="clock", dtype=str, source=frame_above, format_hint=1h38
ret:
1h25
